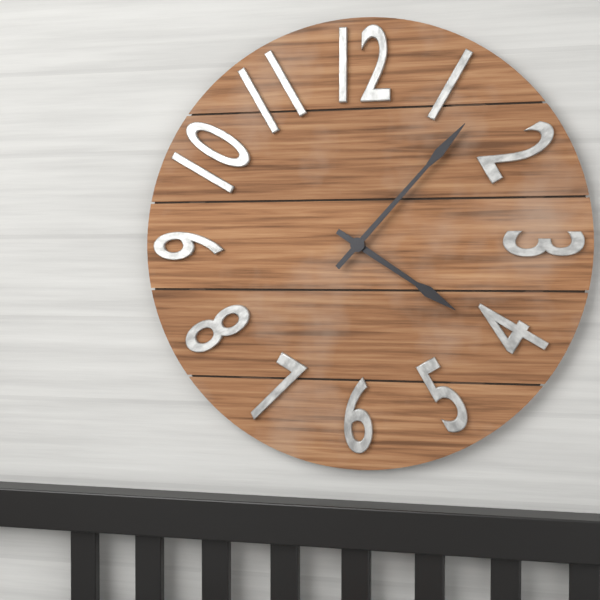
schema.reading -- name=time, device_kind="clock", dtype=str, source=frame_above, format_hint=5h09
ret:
4h07
